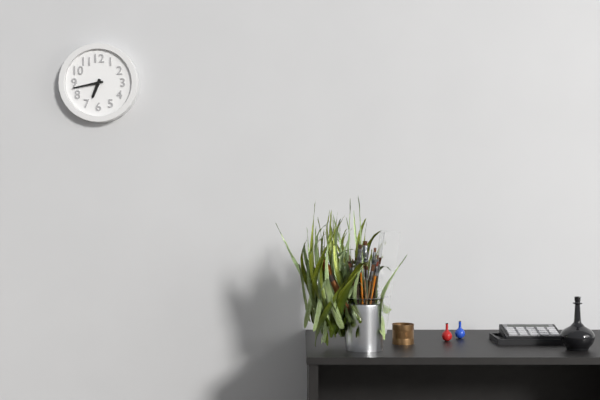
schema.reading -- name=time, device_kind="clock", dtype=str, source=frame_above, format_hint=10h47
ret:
6h43
